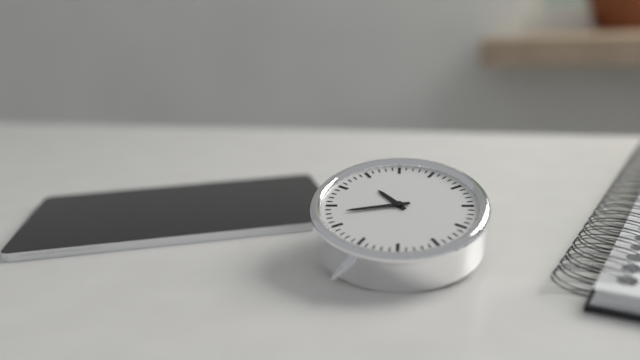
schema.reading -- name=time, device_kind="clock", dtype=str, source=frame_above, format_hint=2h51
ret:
10h43
